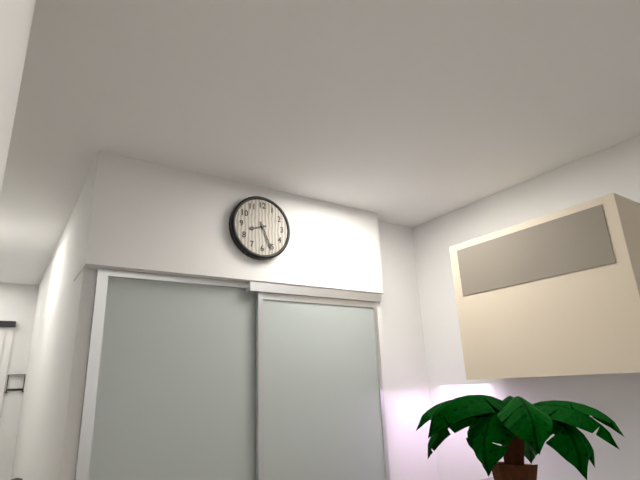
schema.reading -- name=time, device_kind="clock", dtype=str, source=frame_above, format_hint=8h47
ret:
8h26
